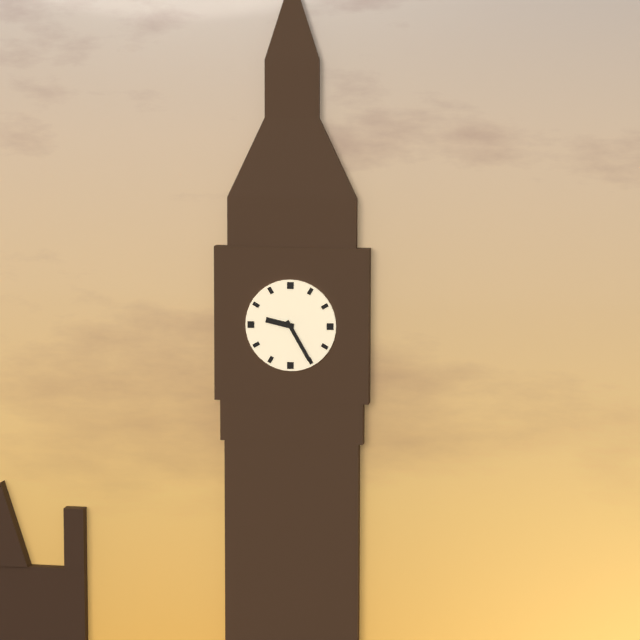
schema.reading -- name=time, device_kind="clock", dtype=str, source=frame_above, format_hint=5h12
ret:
9h25
